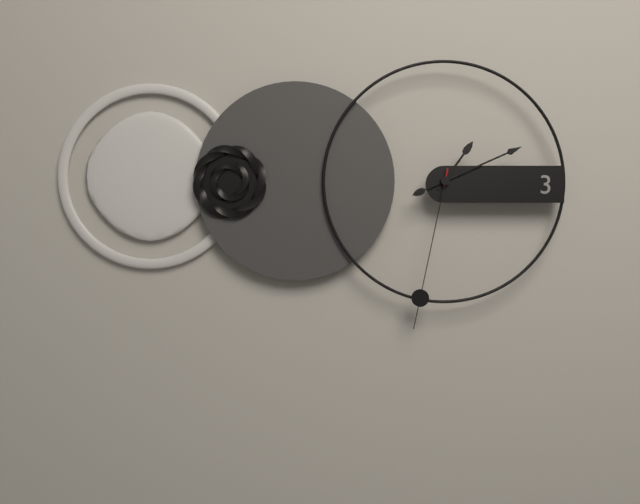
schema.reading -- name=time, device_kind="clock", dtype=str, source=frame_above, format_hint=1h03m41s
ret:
1h11m32s
